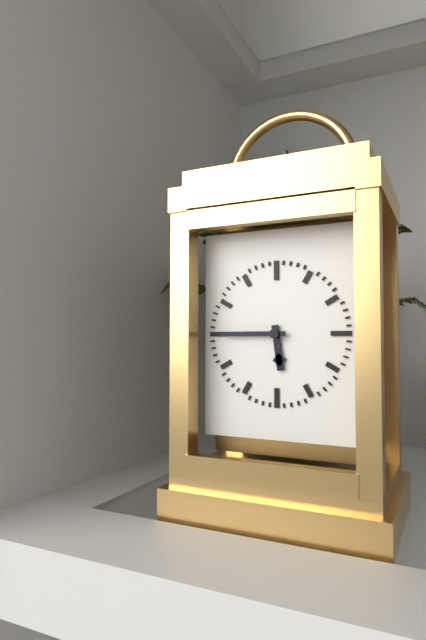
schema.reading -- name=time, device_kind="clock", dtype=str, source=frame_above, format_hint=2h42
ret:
5h45
